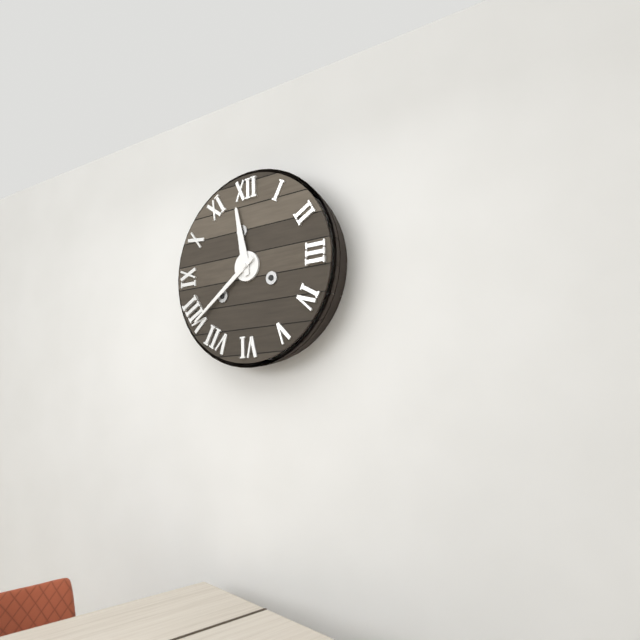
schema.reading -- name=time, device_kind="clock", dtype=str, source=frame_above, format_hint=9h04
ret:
11h39
